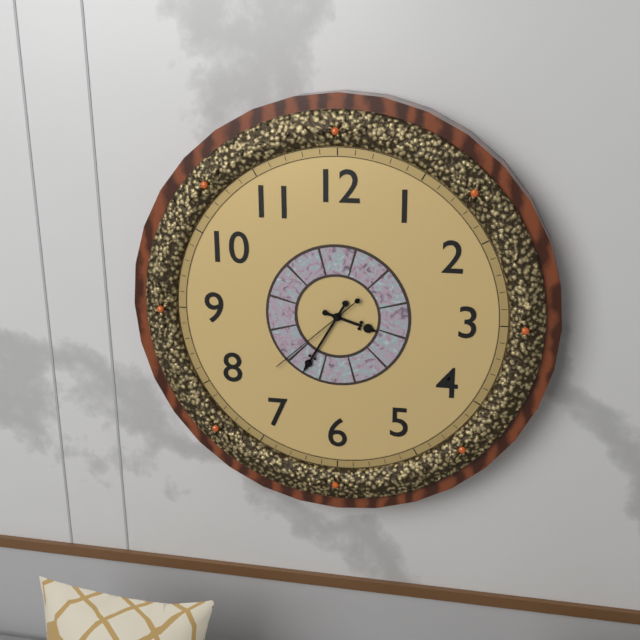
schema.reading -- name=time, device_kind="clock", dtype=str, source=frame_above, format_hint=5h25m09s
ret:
3h35m38s
